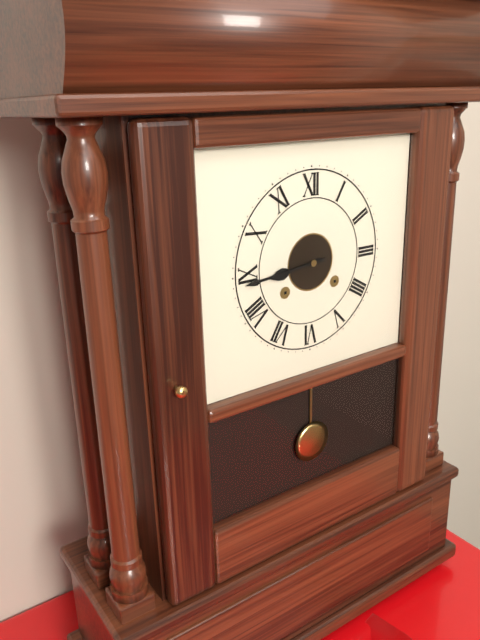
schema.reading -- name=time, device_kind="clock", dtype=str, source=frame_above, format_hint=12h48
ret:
8h44
